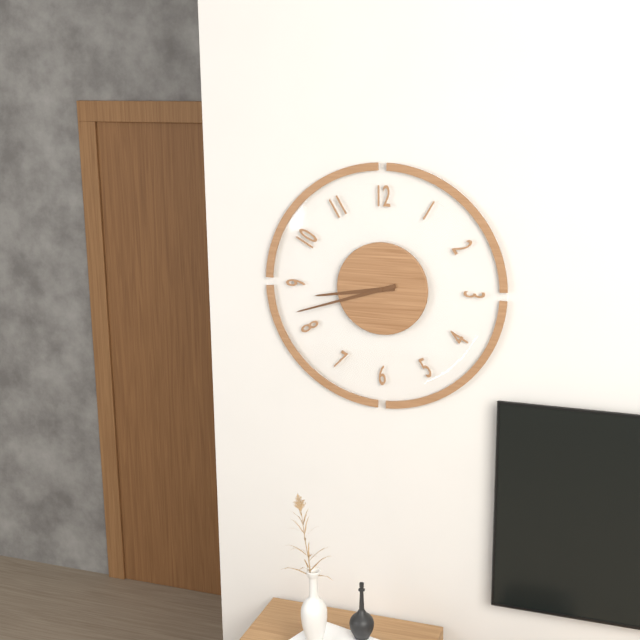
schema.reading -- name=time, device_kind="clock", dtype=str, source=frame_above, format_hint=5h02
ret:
8h42
